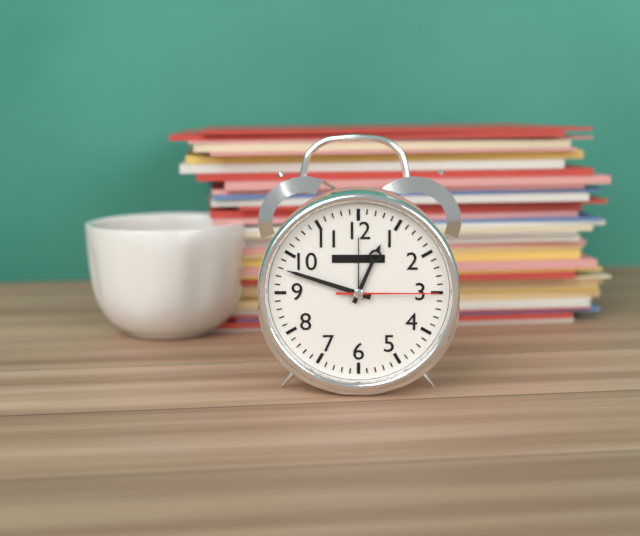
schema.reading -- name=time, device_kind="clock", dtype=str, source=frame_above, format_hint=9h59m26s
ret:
12h48m15s
